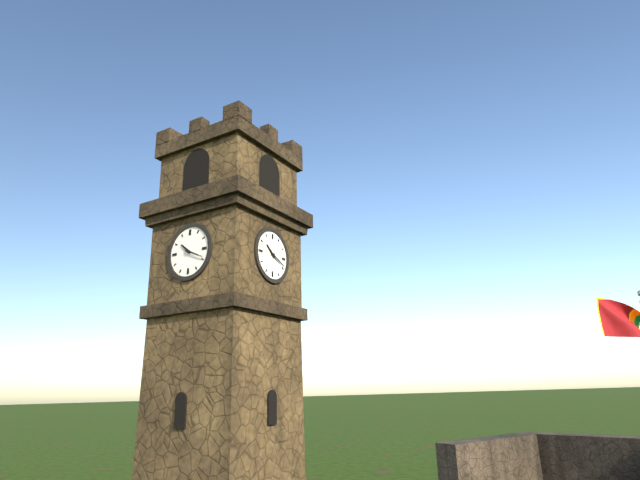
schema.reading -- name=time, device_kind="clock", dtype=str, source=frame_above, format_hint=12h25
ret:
10h19
